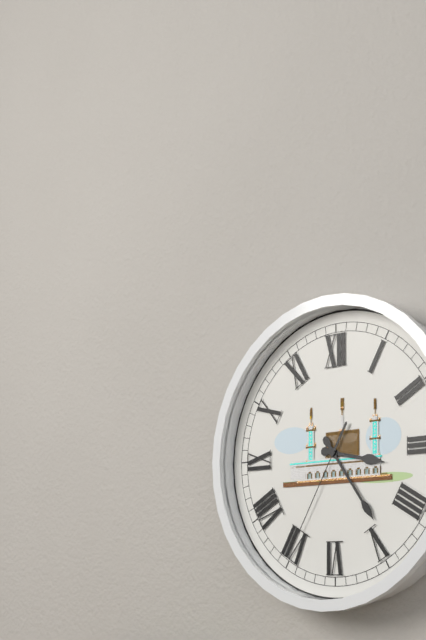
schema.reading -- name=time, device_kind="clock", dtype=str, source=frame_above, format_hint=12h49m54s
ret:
3h24m35s
